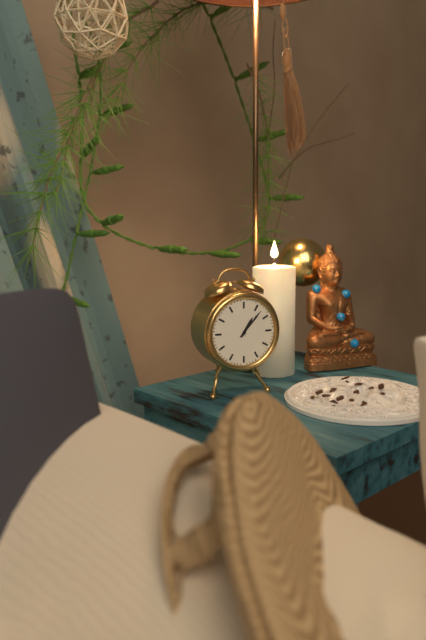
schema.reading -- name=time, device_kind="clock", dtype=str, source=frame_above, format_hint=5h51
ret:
1h07
